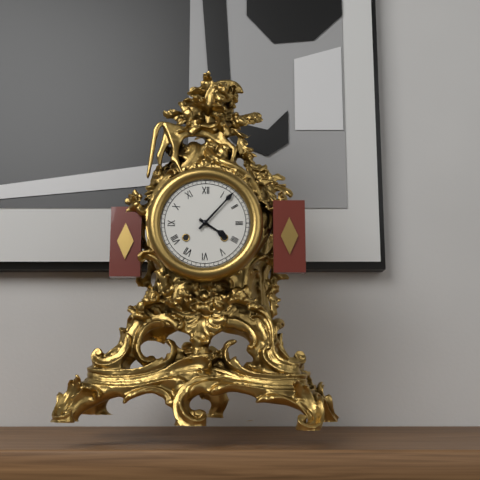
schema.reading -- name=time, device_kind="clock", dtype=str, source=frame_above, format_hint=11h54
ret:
4h07
